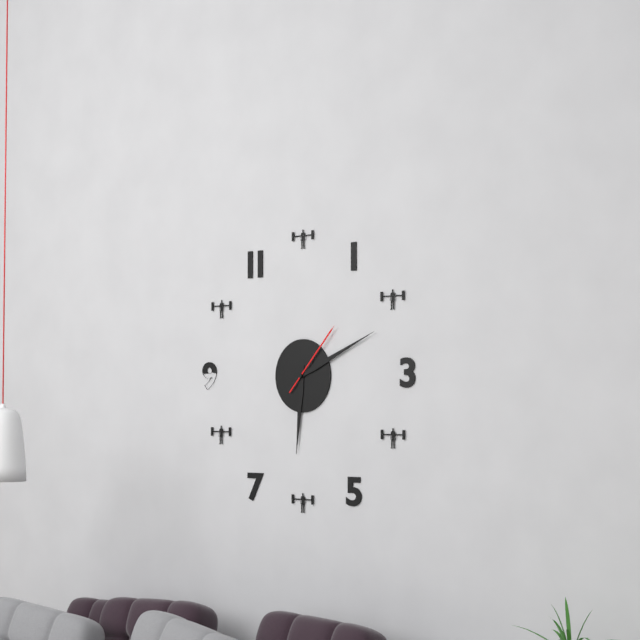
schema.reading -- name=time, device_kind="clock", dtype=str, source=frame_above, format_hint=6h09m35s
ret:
6h11m07s
